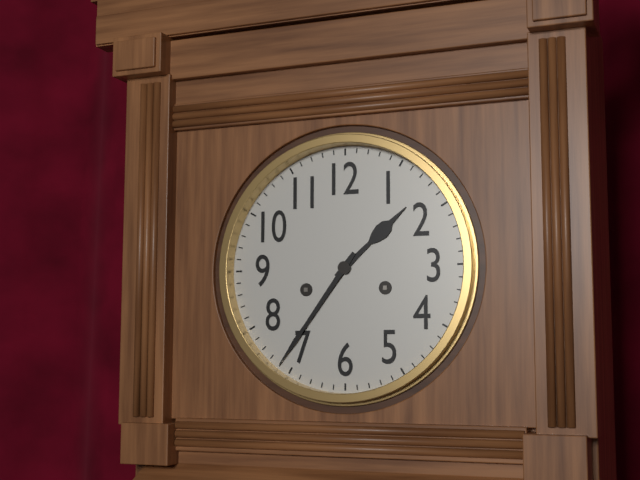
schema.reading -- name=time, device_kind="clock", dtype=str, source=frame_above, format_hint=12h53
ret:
1h36
